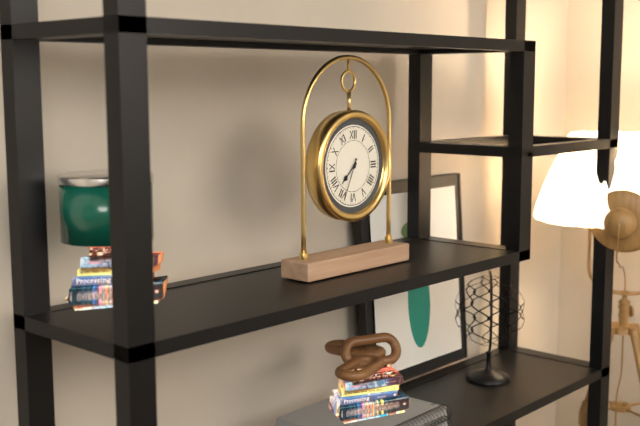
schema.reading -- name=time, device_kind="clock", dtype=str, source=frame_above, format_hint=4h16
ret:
7h34
